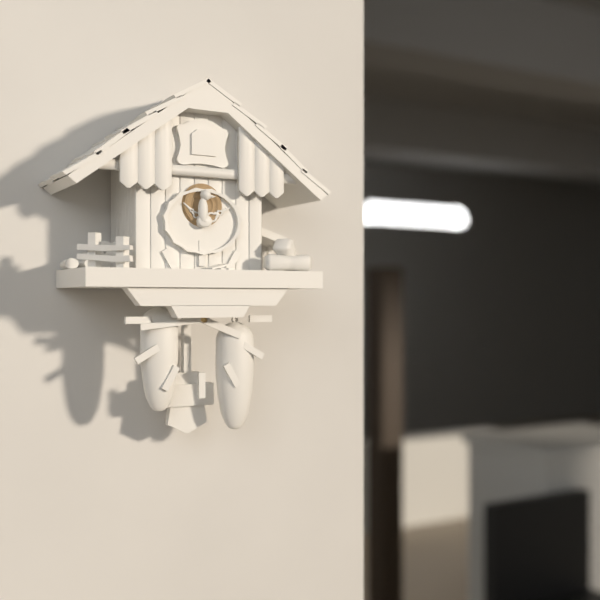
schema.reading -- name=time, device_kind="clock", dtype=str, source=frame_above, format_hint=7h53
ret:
3h44
